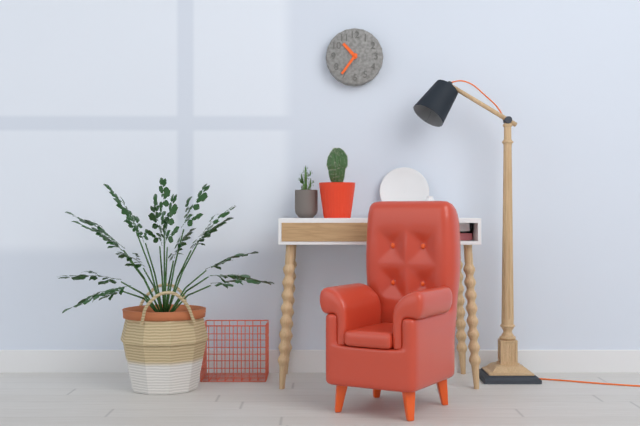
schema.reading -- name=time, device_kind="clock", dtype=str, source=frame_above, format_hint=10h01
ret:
10h36
